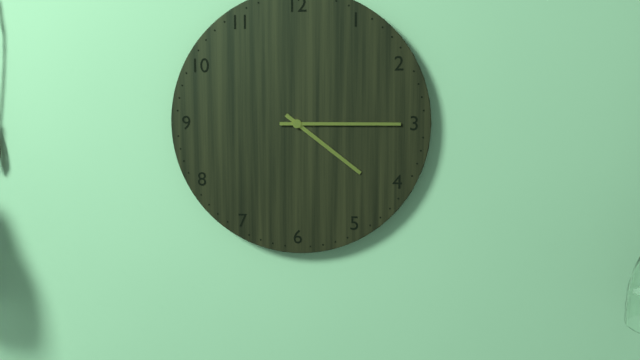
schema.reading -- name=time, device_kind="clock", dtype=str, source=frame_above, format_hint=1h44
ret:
4h15
